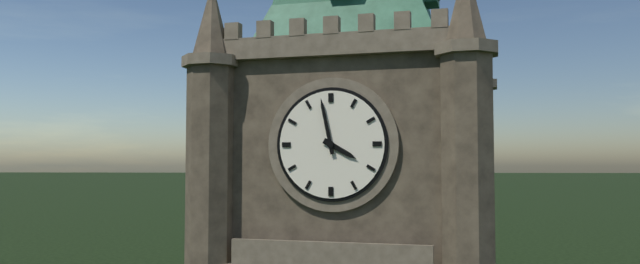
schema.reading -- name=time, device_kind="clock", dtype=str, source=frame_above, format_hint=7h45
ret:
3h58
